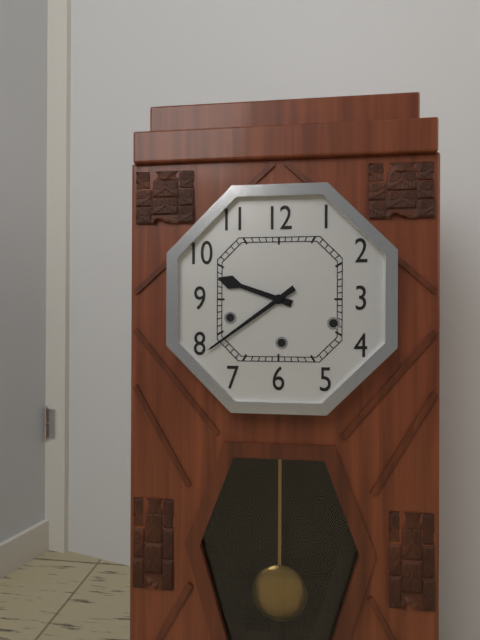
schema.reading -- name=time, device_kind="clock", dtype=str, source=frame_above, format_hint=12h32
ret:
9h39
